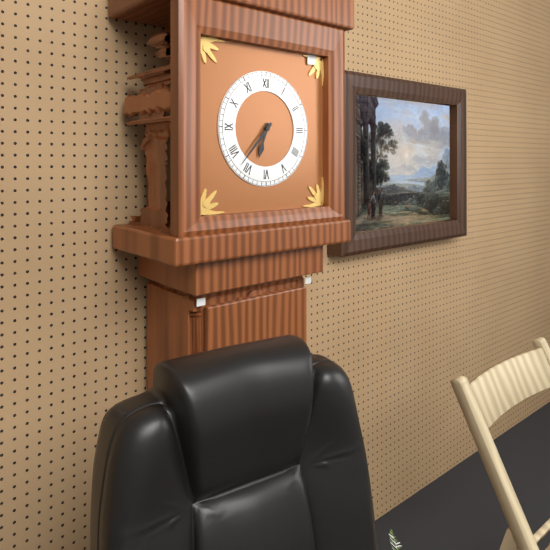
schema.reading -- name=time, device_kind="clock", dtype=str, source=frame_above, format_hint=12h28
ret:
6h37
